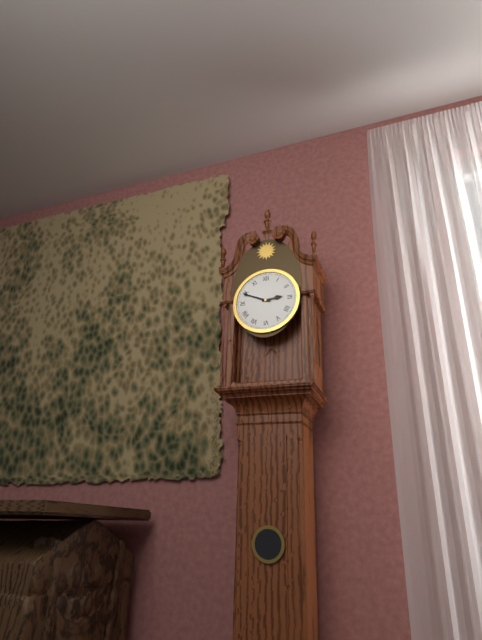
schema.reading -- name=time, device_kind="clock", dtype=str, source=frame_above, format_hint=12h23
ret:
2h49
